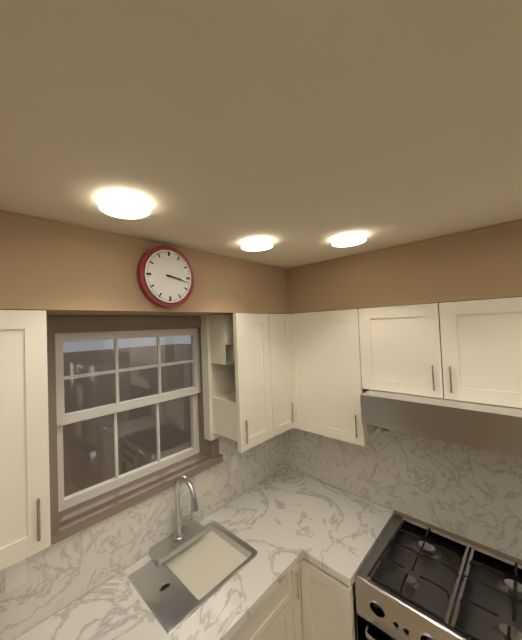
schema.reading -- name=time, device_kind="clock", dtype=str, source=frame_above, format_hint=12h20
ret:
3h17
